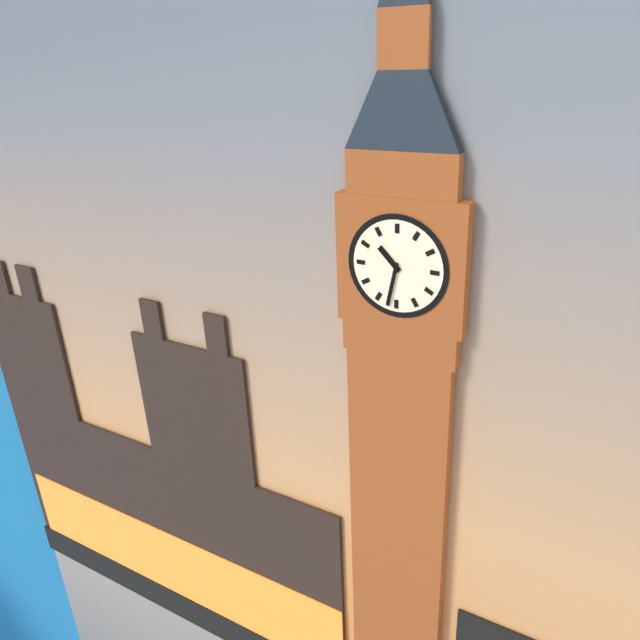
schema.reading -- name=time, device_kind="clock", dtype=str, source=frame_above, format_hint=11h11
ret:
10h32
